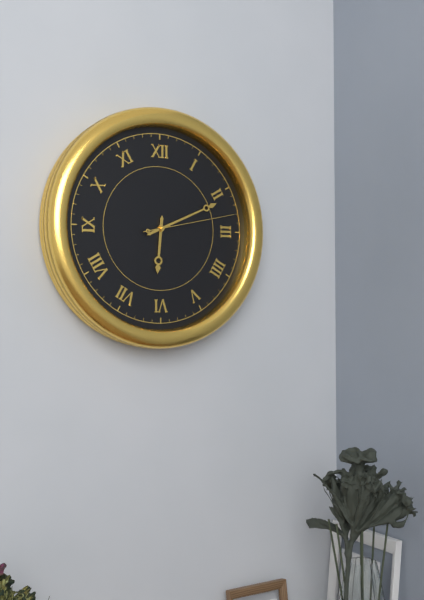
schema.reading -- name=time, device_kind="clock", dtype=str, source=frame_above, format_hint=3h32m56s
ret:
6h11m13s
